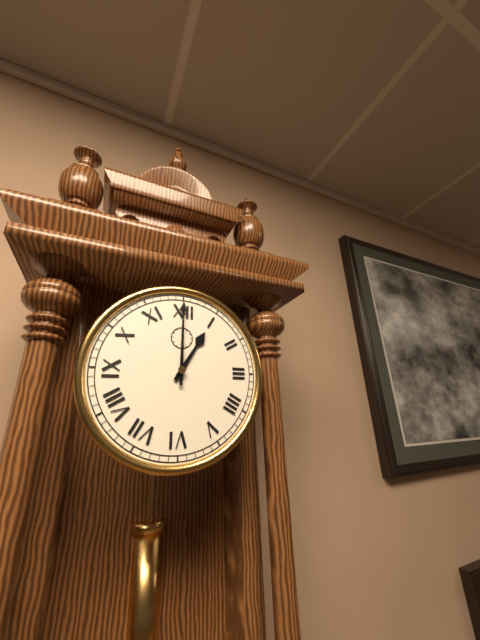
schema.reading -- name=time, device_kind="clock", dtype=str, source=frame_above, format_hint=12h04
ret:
1h00
